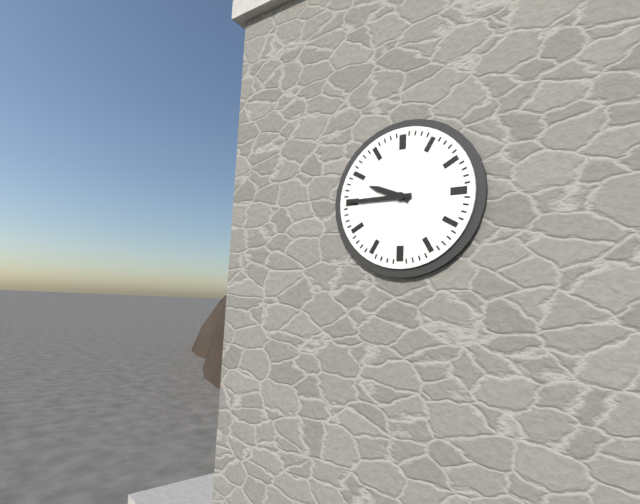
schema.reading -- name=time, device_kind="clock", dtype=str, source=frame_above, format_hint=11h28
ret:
9h45
